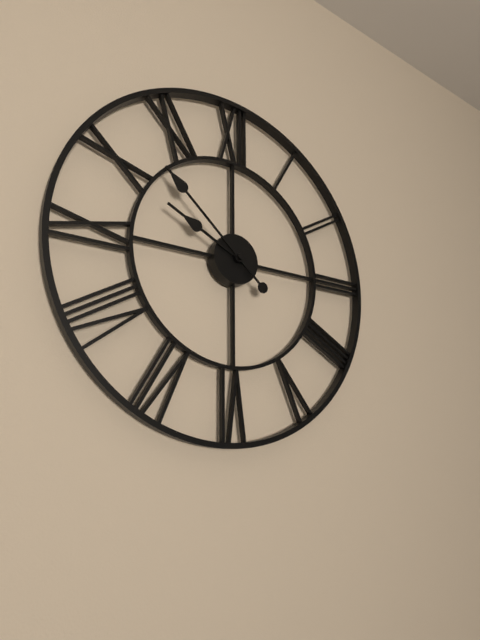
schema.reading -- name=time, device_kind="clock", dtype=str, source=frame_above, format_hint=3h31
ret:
9h52
